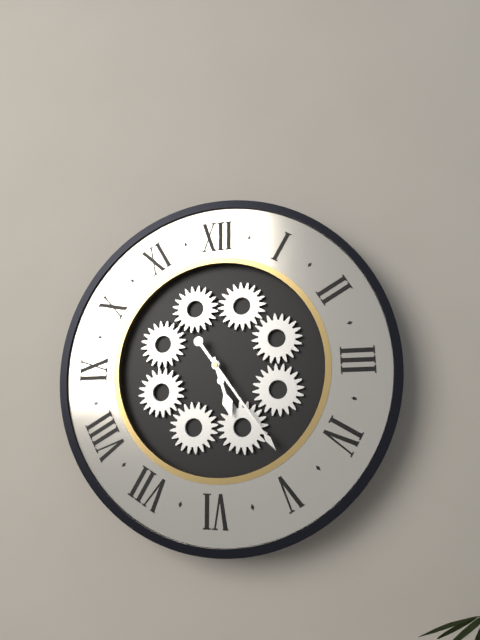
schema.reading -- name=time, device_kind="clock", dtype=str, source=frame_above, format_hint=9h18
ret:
5h24
